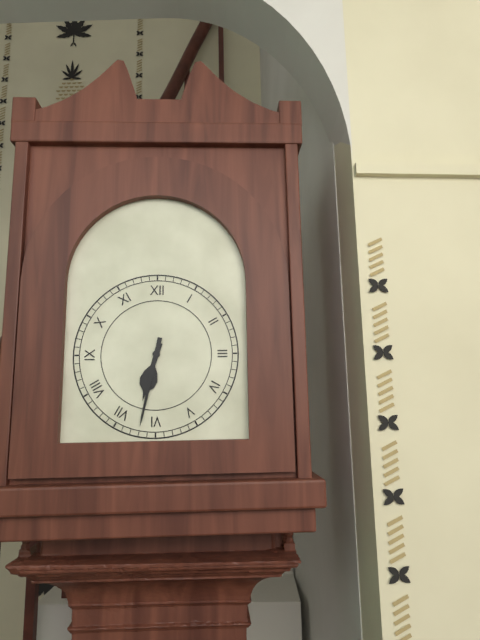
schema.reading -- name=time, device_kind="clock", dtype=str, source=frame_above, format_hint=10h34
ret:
6h32
